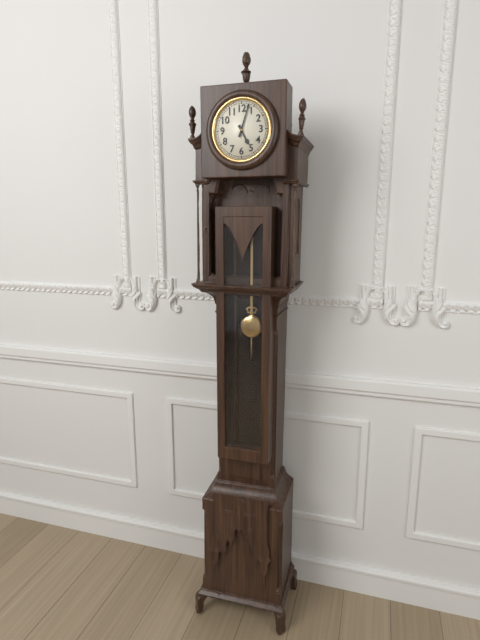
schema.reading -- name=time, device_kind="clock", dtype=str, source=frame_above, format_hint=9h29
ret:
5h03
